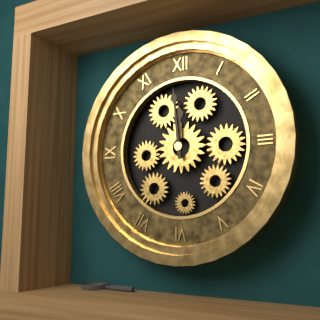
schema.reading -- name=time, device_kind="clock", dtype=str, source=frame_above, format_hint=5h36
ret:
11h59
